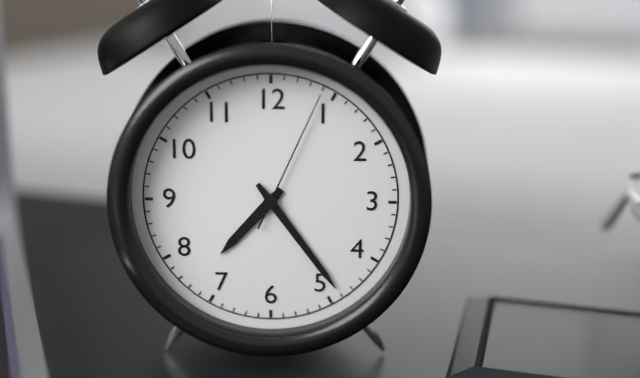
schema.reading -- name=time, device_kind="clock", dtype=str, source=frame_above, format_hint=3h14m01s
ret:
7h24m04s
